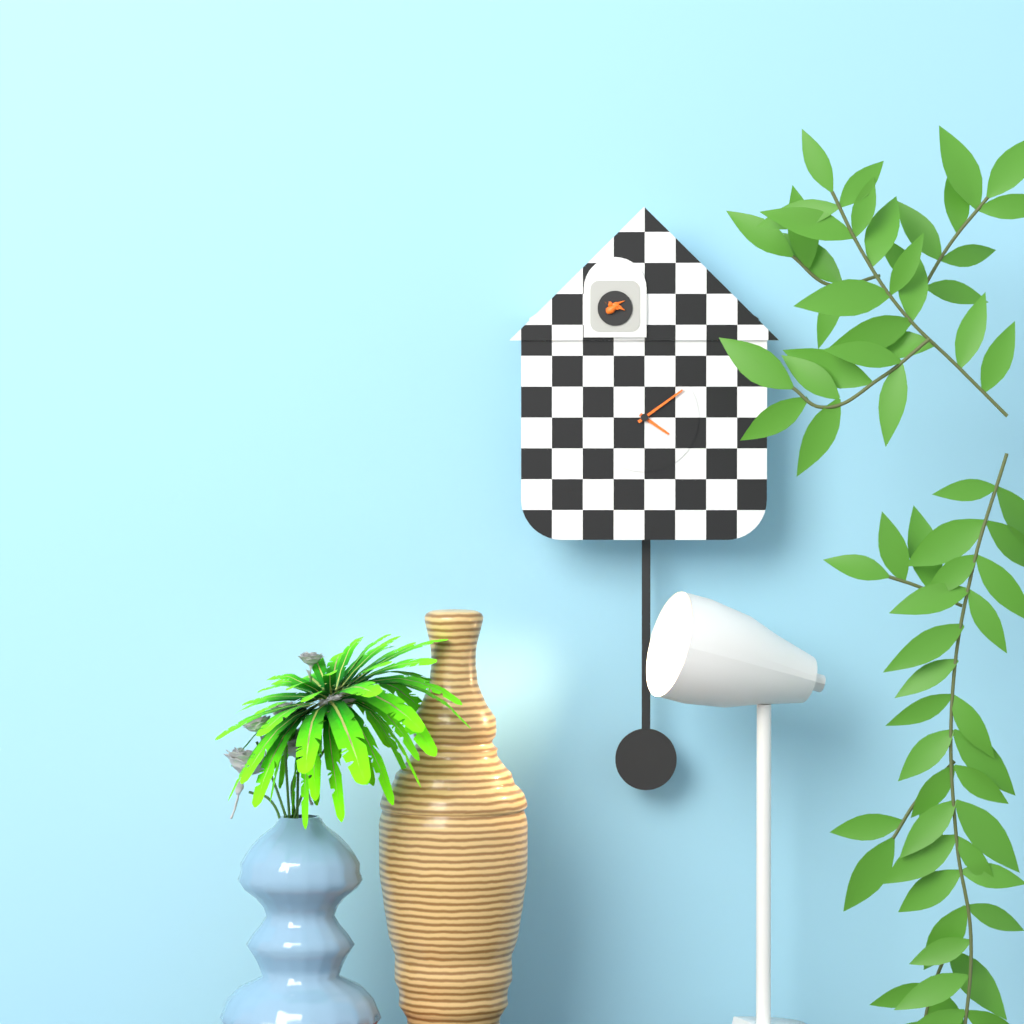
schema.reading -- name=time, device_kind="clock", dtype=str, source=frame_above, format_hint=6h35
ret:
4h09
